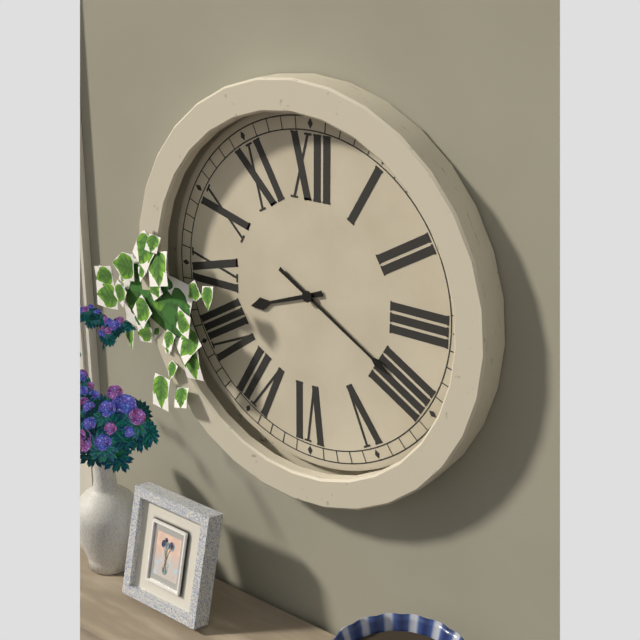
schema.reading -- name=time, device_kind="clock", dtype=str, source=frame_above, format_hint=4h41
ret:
8h20
